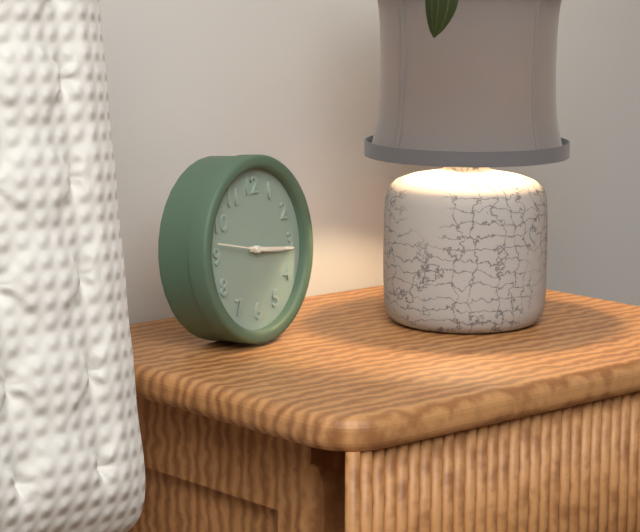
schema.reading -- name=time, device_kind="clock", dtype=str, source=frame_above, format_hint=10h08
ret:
3h16
